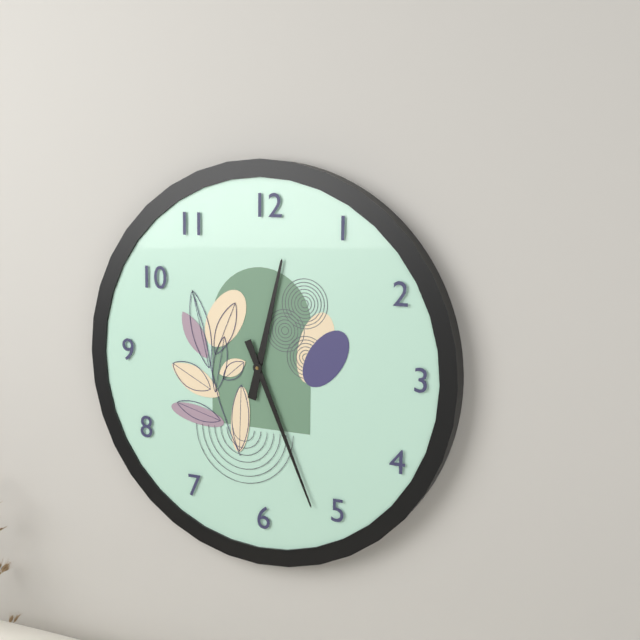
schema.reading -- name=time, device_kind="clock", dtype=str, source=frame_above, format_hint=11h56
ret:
12h26
